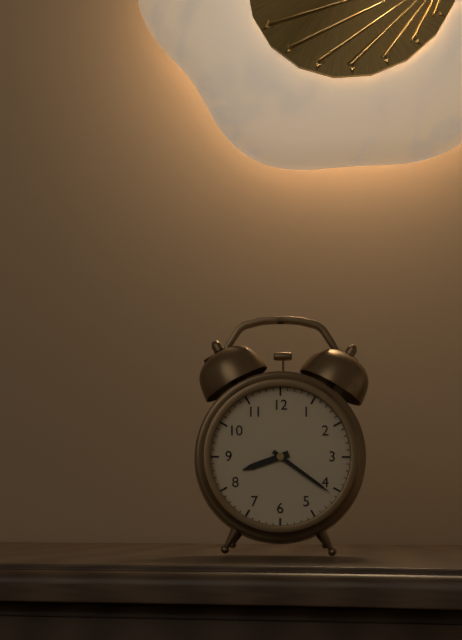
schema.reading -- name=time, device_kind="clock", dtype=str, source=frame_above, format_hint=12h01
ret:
8h21
